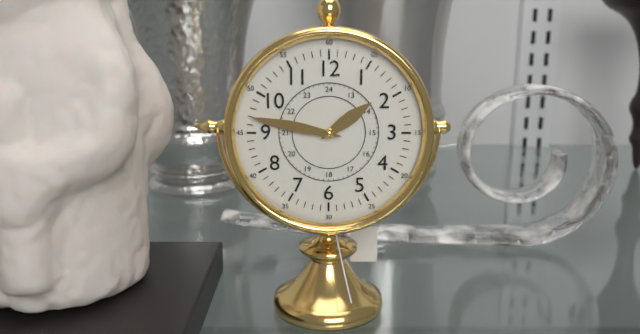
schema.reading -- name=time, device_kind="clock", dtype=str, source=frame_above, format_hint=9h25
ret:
1h47
